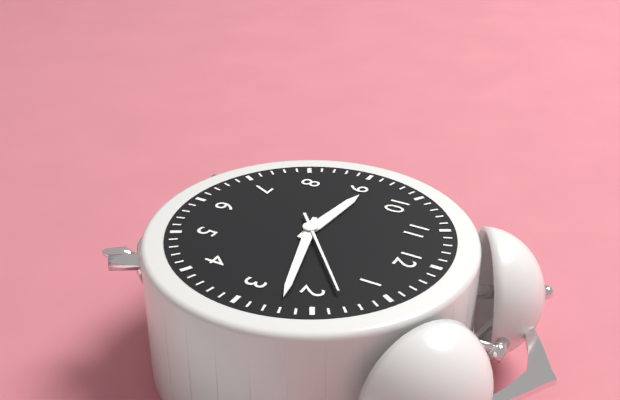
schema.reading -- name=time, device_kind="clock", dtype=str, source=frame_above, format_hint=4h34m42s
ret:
9h12m08s
